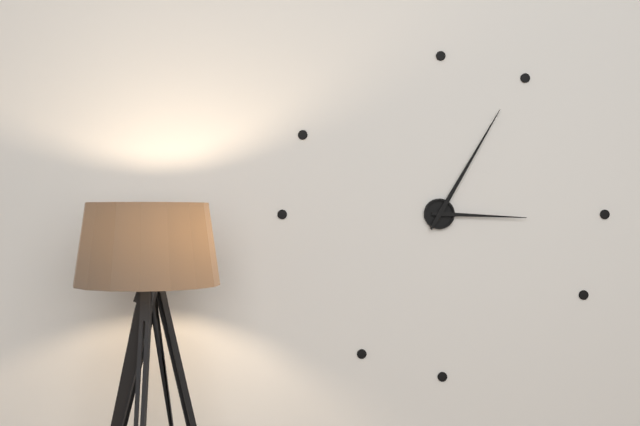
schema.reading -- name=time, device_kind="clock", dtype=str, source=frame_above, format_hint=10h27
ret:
3h05
